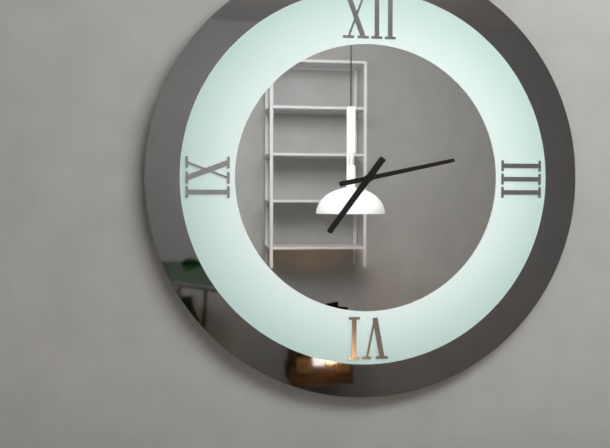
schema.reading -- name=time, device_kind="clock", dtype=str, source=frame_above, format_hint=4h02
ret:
7h13
